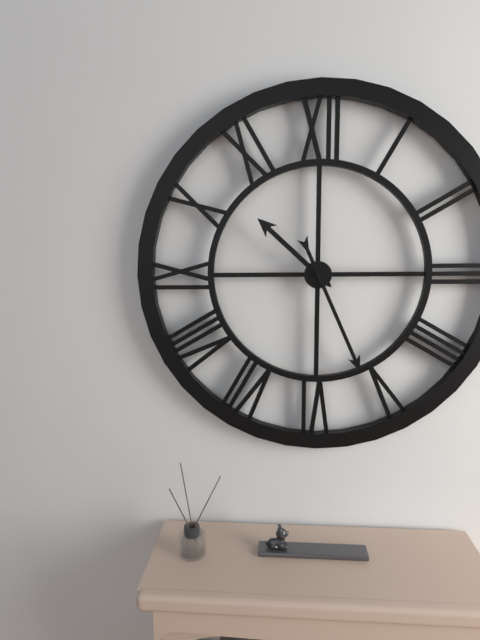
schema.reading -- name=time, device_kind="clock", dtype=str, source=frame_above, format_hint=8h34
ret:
10h26
